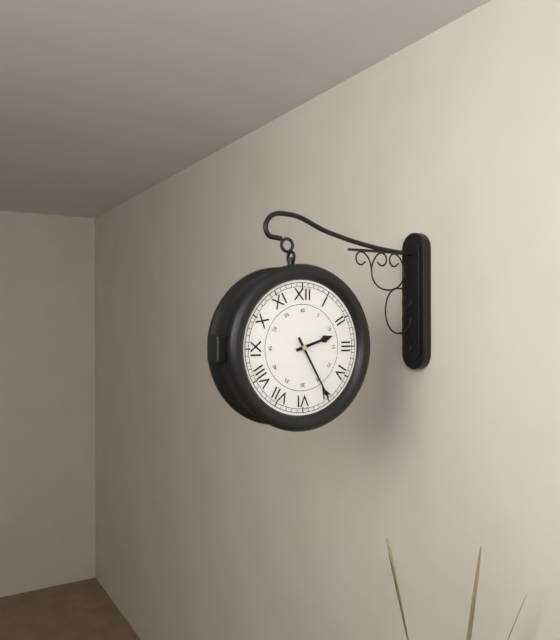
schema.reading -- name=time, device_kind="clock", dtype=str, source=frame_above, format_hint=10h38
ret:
2h25
